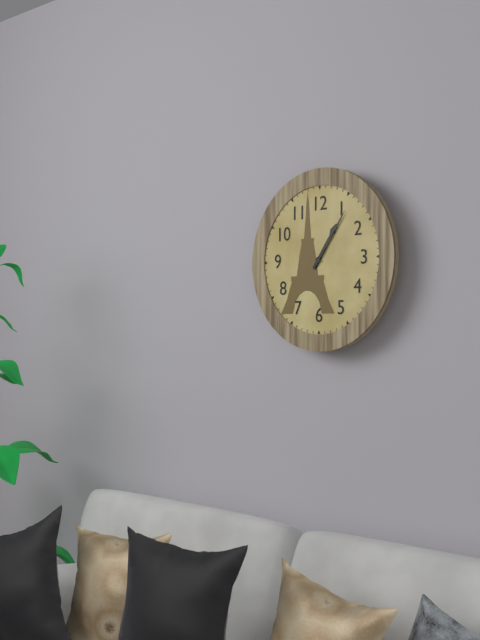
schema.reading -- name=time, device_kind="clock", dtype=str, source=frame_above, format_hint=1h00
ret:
1h06
